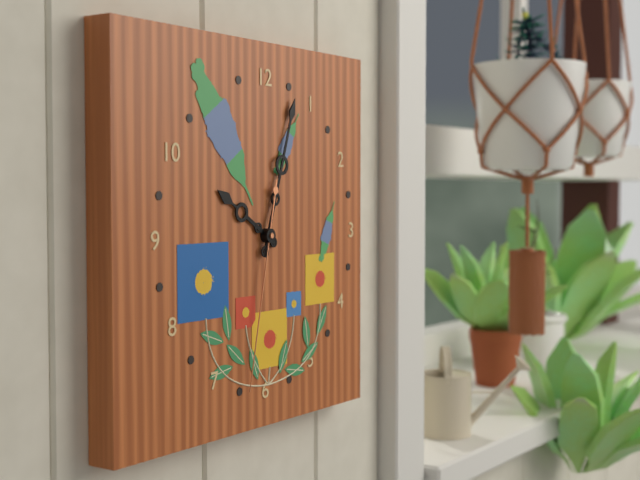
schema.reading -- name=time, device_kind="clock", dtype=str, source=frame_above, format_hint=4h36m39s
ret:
10h03m32s
